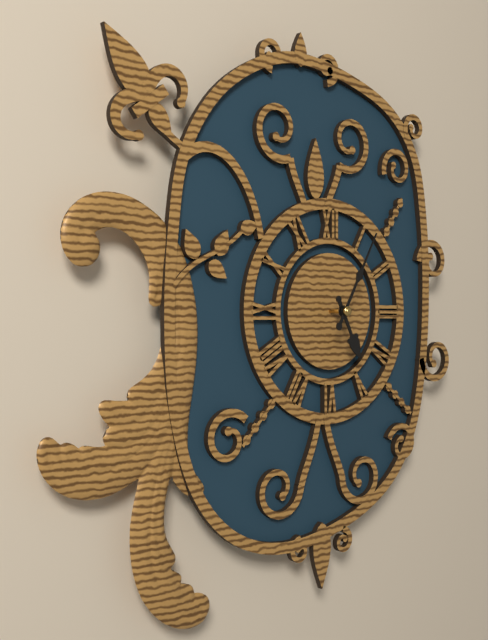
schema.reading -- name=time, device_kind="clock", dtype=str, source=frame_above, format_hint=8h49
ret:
5h05
